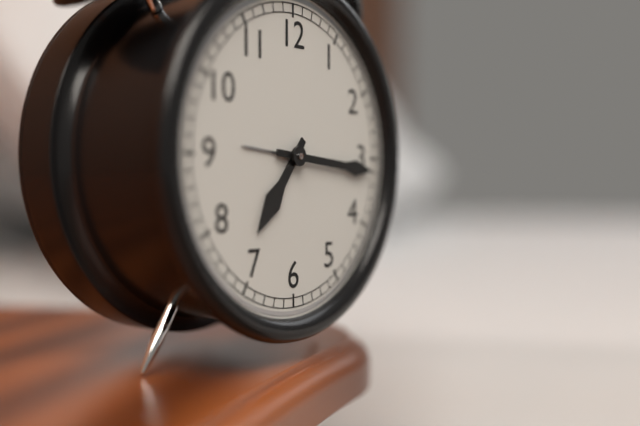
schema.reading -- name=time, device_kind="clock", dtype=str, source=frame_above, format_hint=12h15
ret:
7h16
